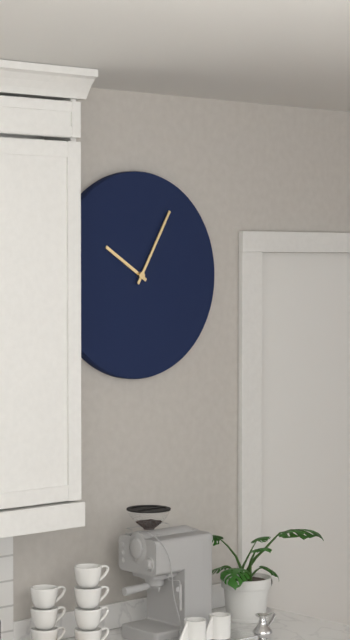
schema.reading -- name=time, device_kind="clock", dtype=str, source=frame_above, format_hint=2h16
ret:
10h05
